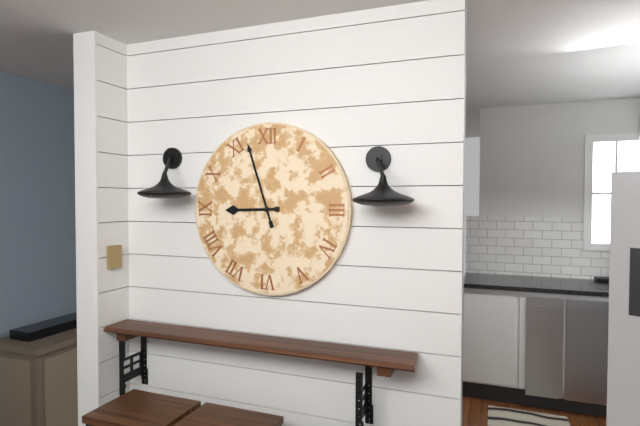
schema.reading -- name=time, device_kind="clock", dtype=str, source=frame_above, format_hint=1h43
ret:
8h57
